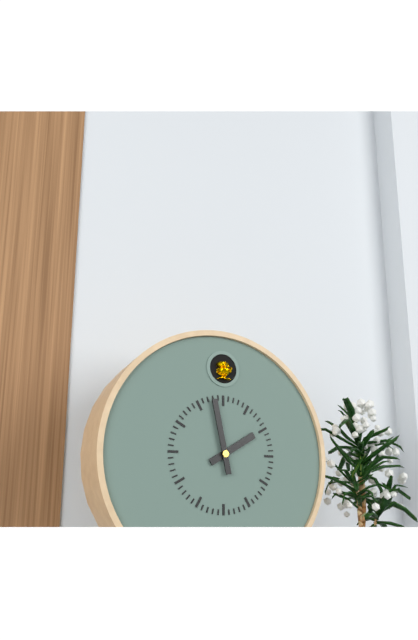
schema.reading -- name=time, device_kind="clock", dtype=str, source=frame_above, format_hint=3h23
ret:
1h58
